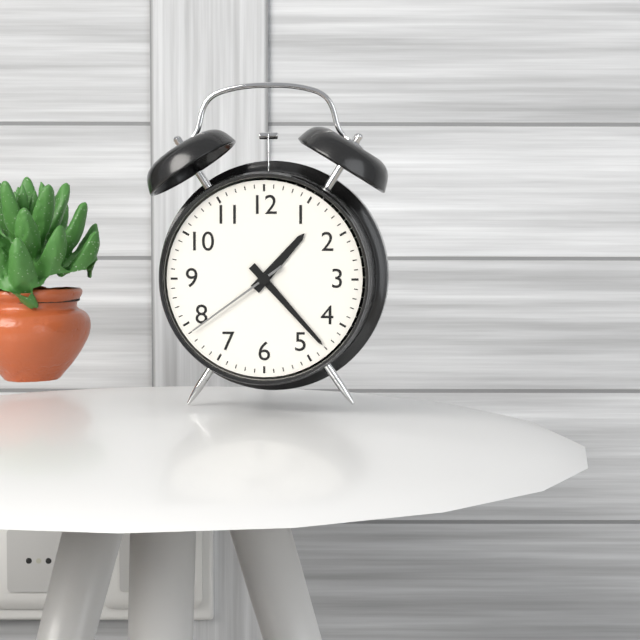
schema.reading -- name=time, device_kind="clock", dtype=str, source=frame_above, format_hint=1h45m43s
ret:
1h23m39s
